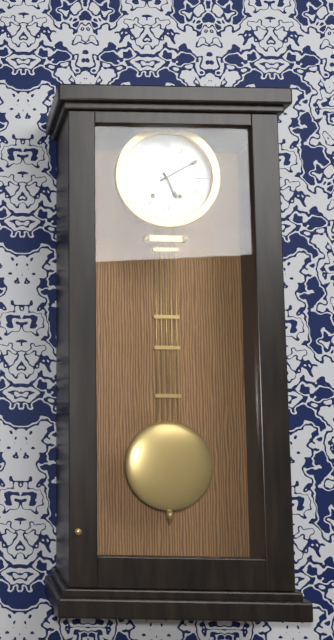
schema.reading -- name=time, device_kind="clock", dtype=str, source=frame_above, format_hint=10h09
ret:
5h10
